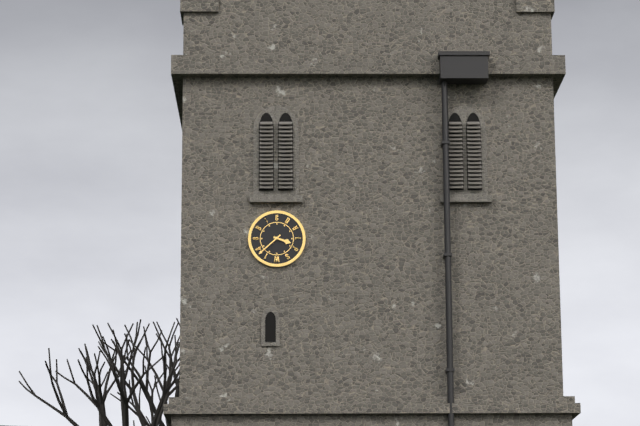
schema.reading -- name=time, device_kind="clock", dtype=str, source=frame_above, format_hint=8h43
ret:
3h38
